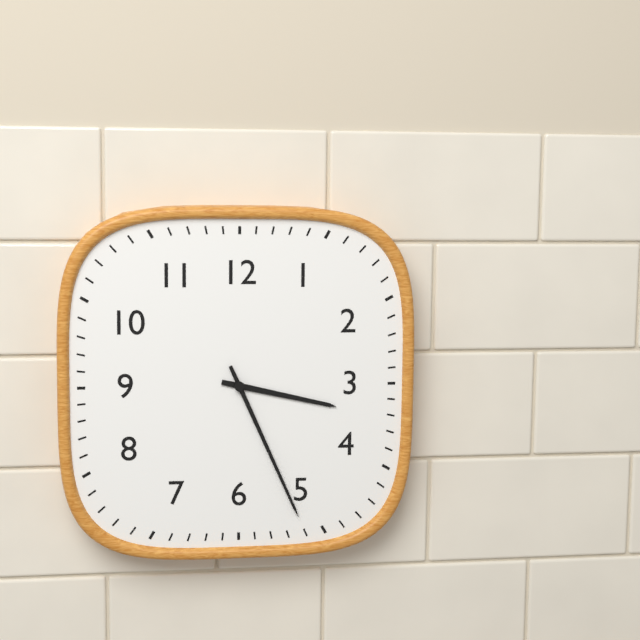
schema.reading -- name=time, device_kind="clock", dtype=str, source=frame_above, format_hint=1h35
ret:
3h26
